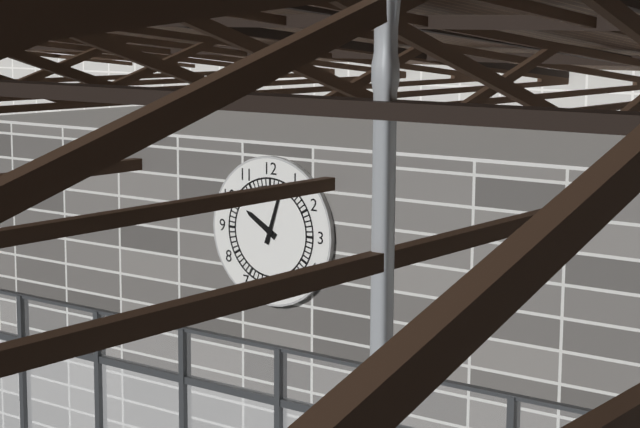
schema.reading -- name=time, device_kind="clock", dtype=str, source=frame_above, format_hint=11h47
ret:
10h03
